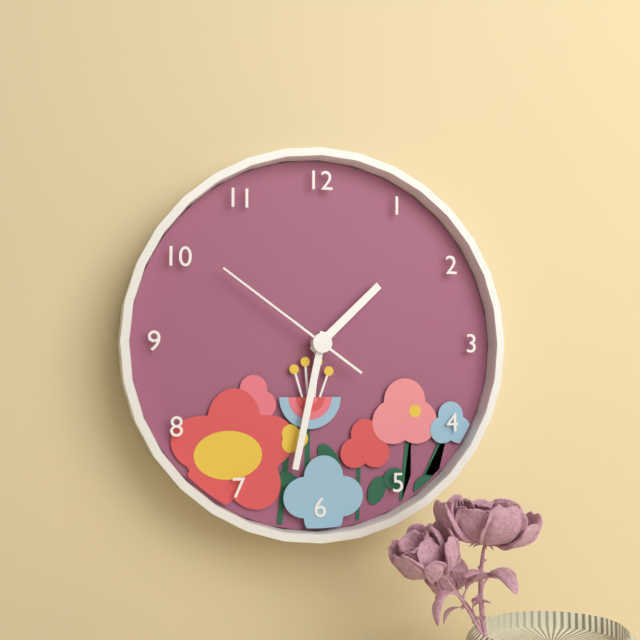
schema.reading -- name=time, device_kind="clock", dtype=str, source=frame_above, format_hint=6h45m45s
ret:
1h32m51s
